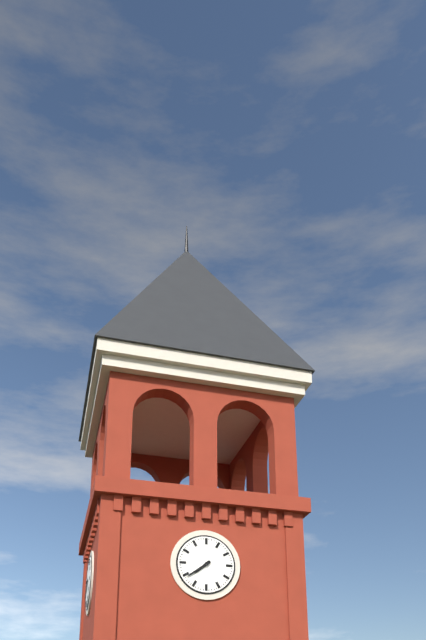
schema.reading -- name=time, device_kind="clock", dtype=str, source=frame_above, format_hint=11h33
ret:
7h39
